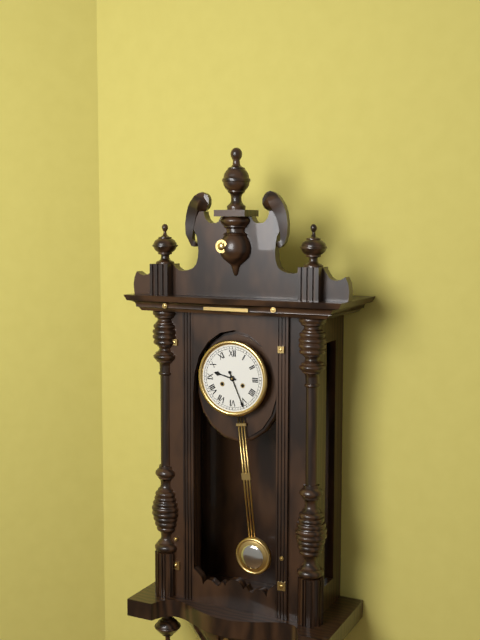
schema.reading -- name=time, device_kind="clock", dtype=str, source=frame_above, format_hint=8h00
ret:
9h26
